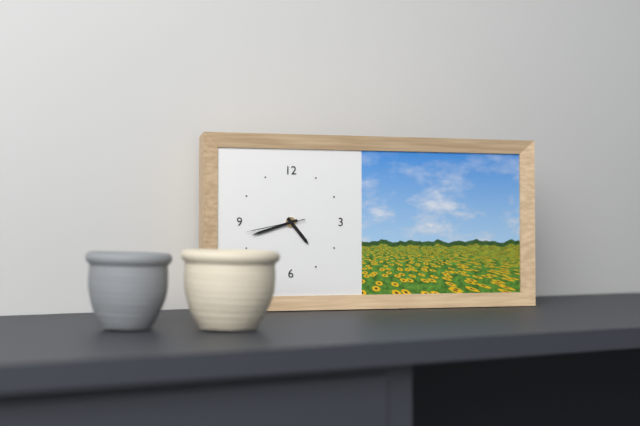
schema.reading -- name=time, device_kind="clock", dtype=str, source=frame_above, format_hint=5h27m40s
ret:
4h42m43s
